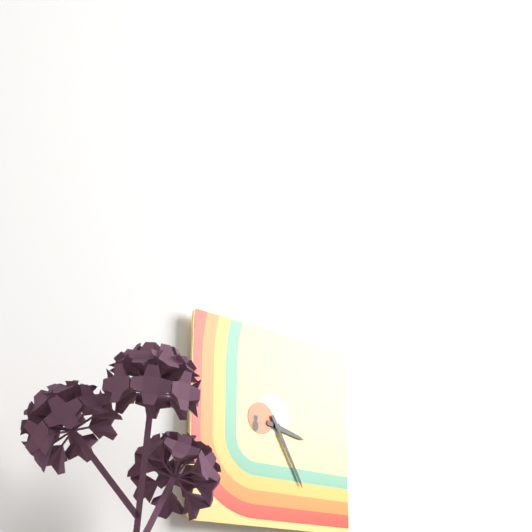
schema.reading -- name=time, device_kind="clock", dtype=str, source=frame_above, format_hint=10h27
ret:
3h25
